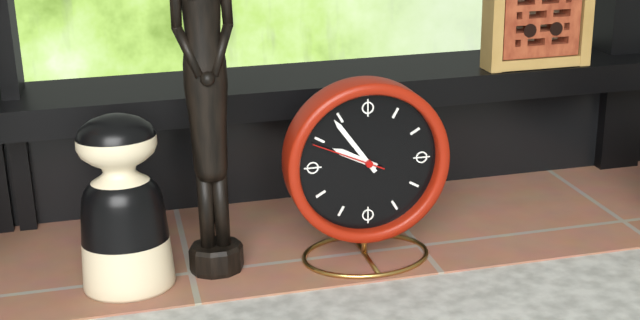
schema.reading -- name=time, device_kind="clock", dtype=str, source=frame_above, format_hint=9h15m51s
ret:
9h54m49s
